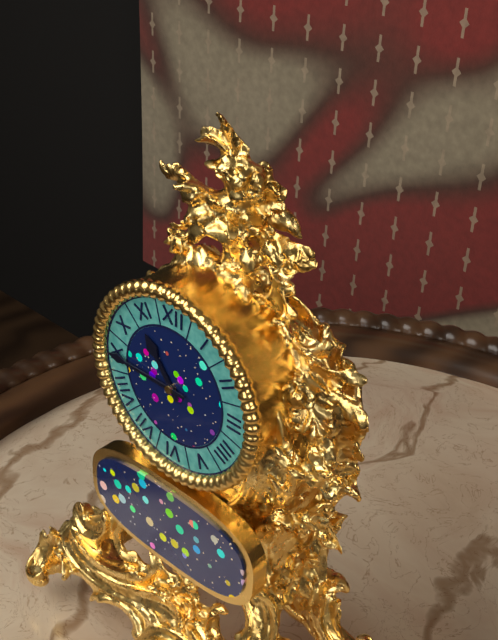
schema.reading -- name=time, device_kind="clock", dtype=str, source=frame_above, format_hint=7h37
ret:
10h45
